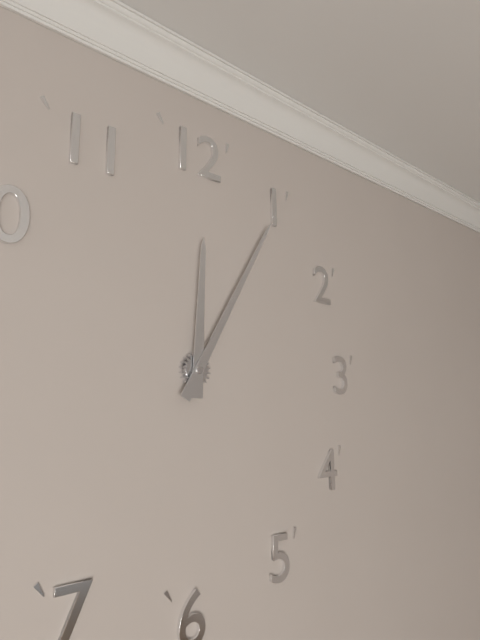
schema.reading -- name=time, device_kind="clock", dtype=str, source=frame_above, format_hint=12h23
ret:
12h05
